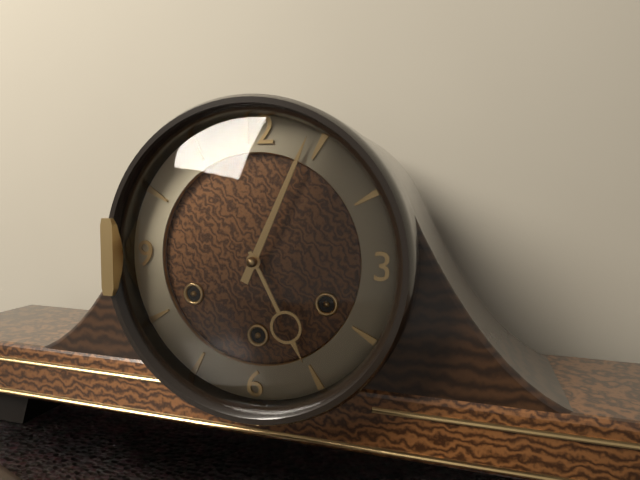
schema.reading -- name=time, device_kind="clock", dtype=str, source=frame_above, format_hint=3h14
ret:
5h04
